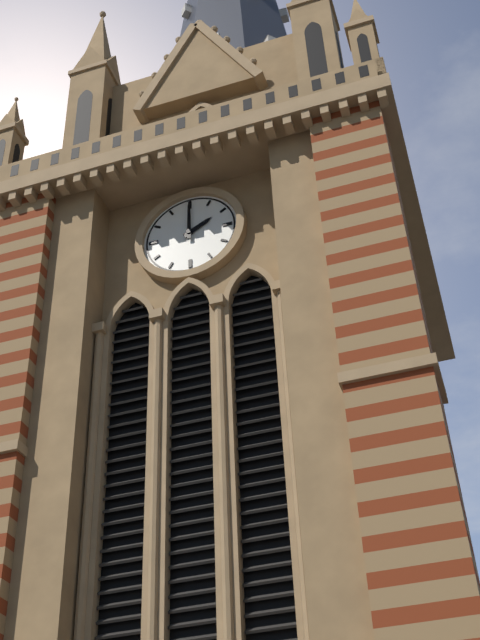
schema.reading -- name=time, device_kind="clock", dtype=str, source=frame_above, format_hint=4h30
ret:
2h00
